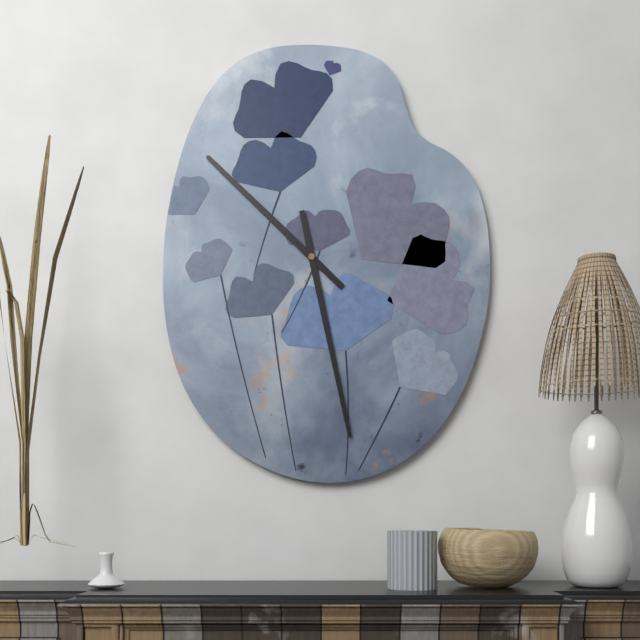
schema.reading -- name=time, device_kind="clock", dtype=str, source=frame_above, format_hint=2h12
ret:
10h28
